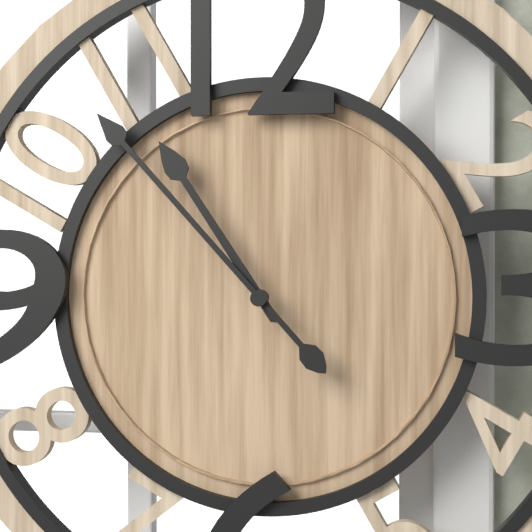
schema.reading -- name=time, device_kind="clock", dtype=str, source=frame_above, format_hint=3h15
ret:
10h53
